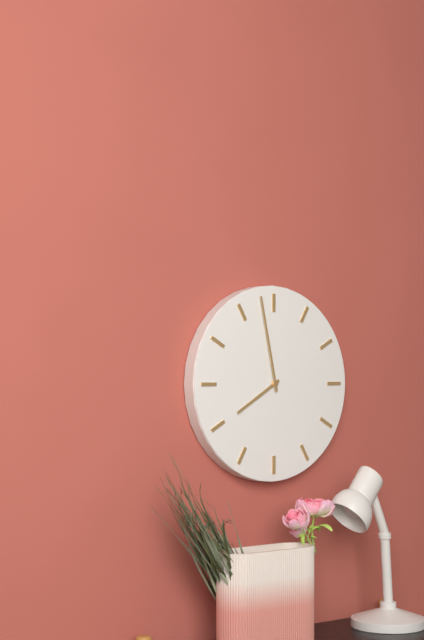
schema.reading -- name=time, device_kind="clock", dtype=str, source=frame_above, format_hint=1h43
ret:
7h58
